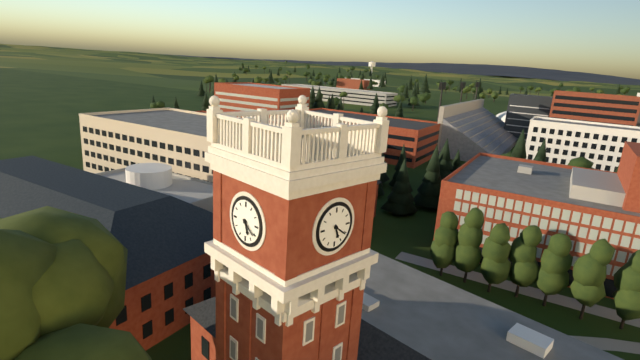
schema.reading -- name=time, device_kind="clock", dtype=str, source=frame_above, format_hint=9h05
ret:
5h21
